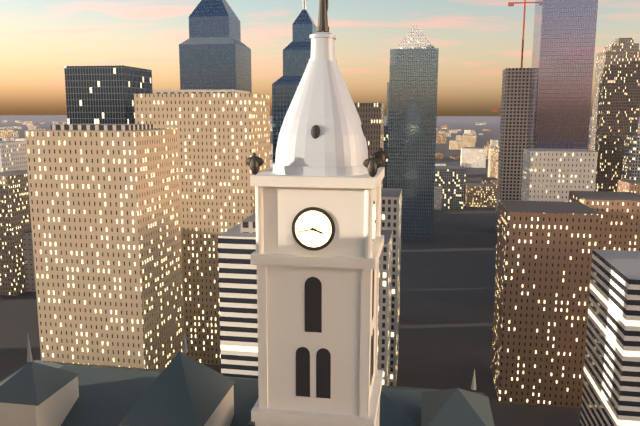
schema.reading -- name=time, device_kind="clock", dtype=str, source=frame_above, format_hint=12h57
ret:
3h43
